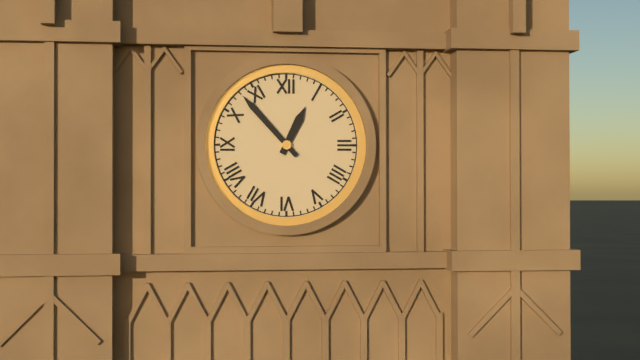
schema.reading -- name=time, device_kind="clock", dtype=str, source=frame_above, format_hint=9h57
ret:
12h53
